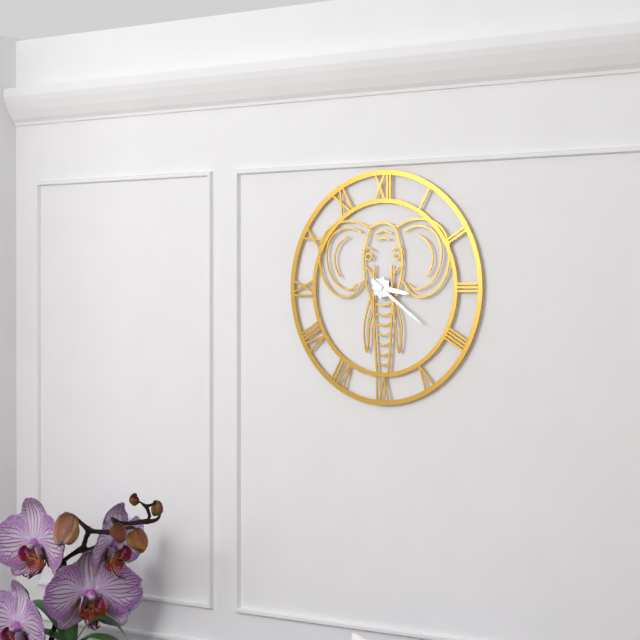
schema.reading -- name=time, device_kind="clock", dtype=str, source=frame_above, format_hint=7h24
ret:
3h21
